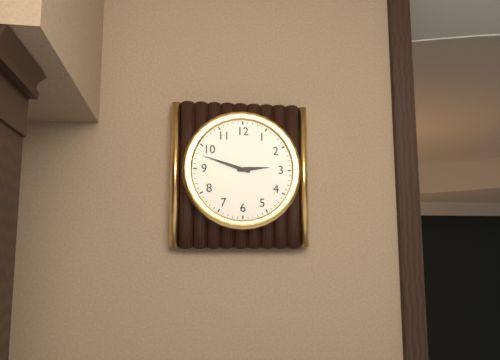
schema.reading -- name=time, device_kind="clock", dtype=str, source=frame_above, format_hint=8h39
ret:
2h48
